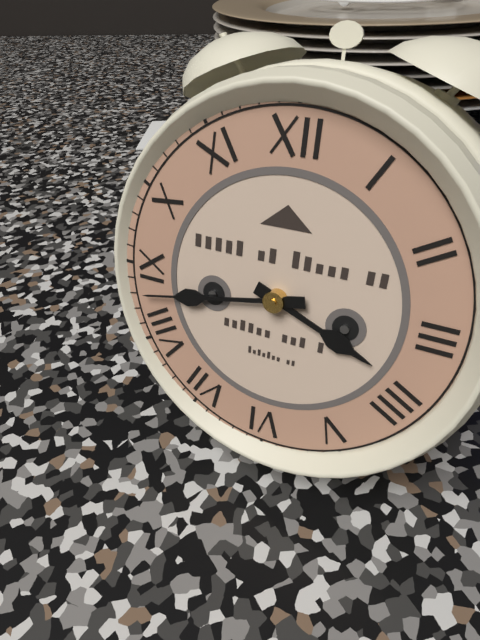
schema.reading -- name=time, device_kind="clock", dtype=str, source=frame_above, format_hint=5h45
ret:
3h43
